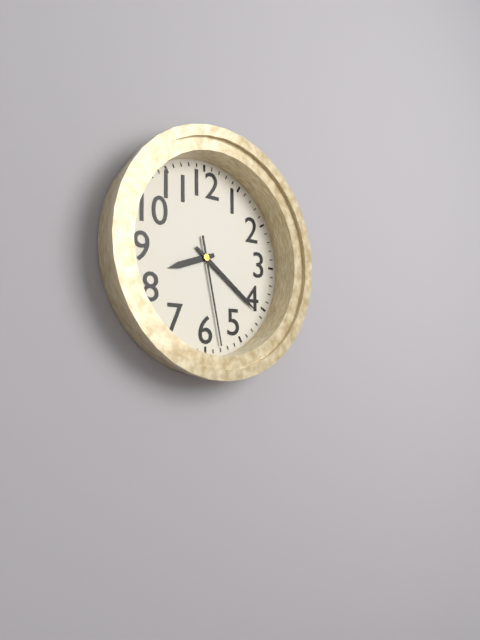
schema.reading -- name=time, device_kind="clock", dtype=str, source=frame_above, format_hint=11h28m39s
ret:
8h21m28s
